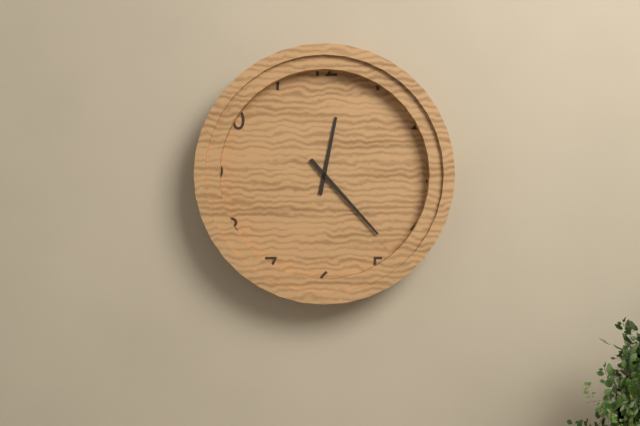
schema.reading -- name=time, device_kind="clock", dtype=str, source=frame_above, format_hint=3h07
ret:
12h23
